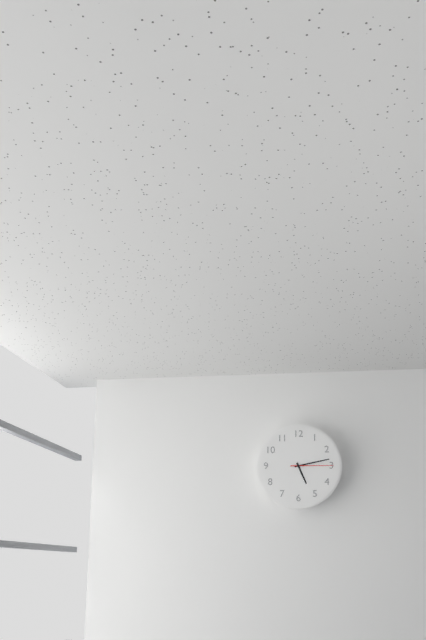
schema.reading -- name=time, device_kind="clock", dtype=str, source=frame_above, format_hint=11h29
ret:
5h13
